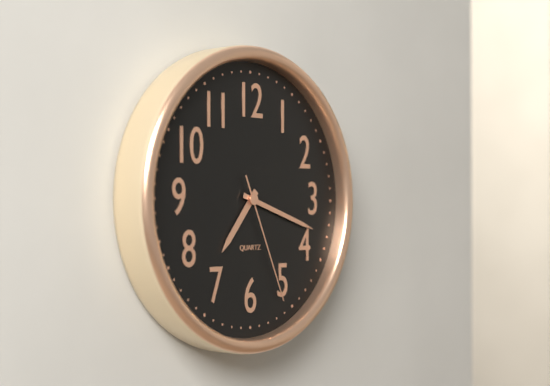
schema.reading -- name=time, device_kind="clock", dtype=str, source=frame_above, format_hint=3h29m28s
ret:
7h18m26s
